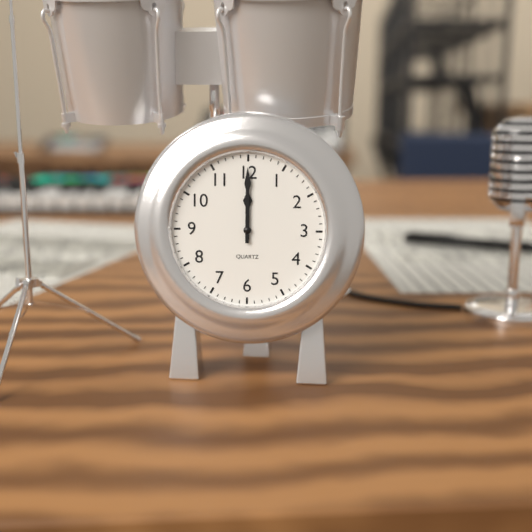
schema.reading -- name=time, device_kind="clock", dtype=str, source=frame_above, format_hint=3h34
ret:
12h00
